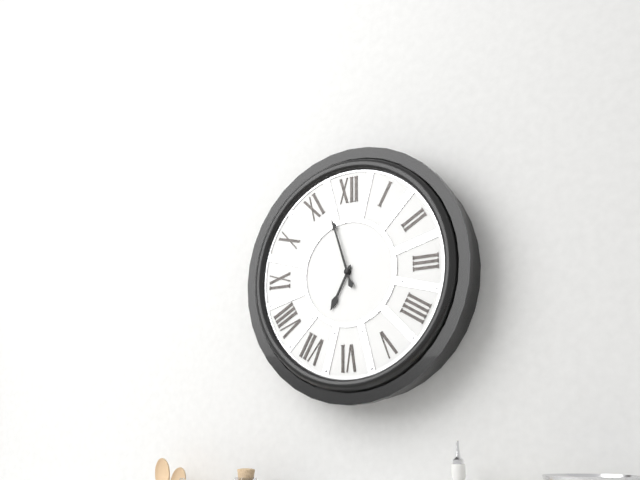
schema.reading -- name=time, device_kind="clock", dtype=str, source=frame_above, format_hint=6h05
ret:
6h57
